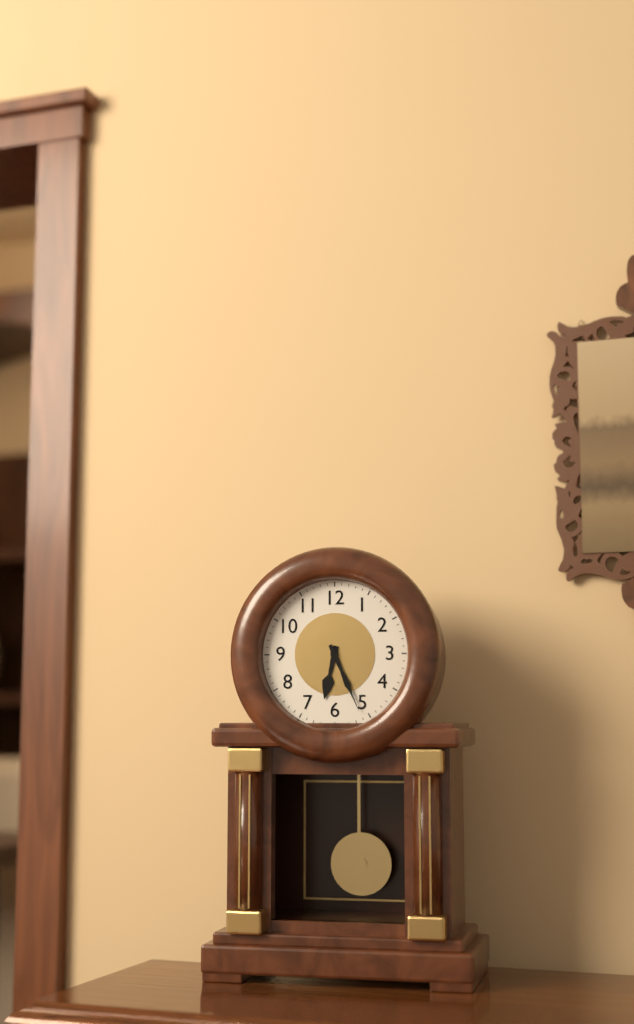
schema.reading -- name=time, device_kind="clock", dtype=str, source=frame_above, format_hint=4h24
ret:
6h26
